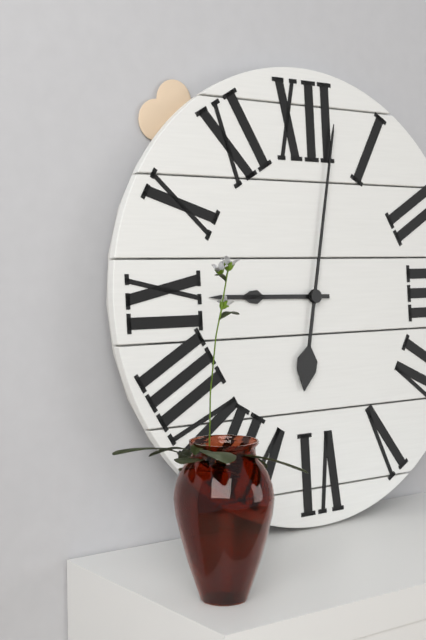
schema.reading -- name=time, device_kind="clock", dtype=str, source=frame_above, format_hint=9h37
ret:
9h02
